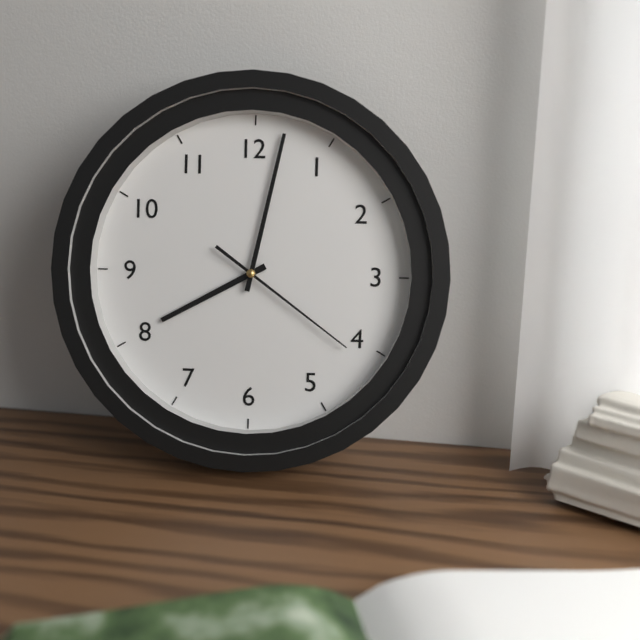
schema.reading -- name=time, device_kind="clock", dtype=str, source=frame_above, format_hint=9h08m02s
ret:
8h02m21s
